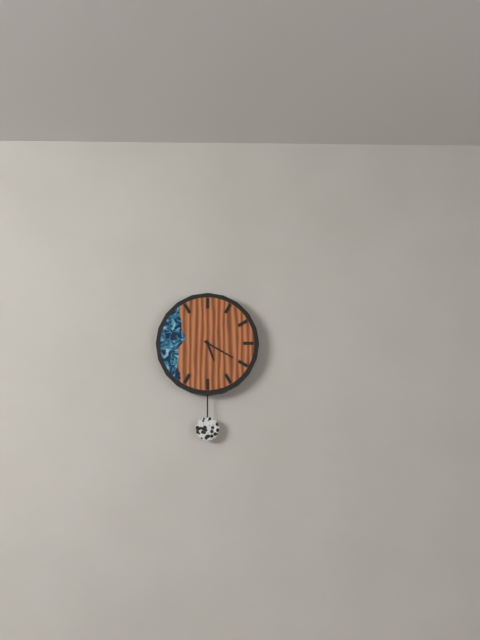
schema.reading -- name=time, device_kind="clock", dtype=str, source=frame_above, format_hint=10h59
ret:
5h20
